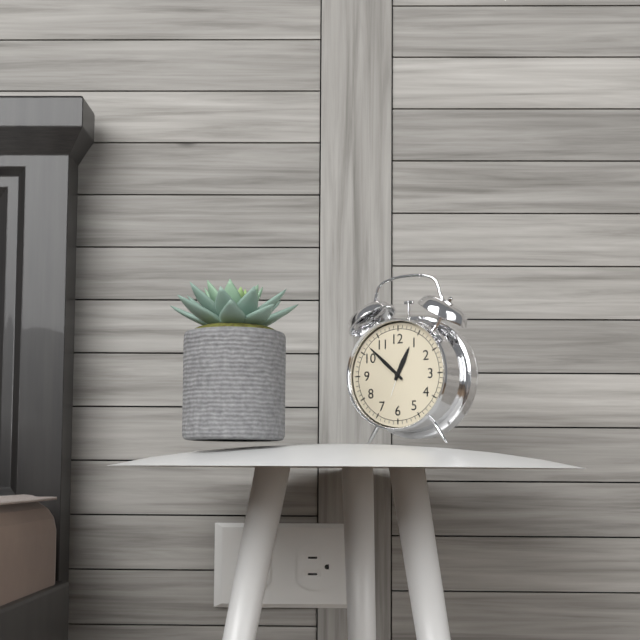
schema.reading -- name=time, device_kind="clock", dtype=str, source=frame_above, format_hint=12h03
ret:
12h52
